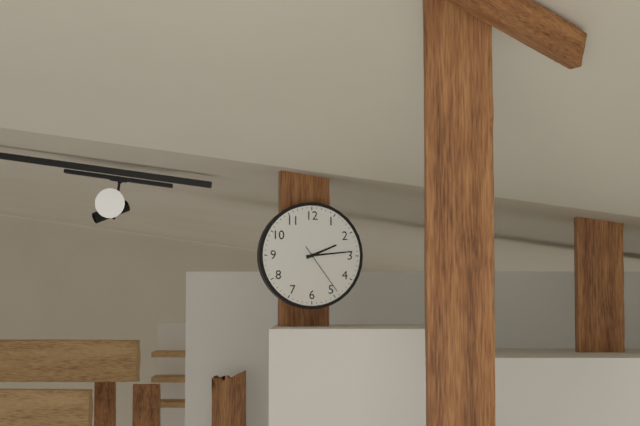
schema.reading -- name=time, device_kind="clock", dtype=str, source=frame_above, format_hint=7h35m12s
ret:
2h14m24s
